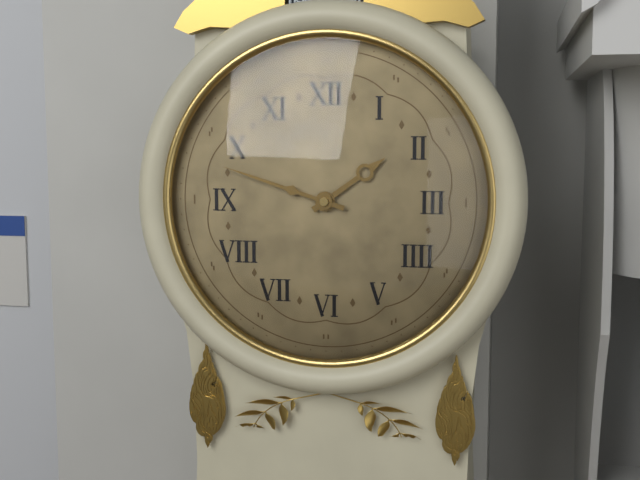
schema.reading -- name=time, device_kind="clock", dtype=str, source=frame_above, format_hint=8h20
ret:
1h48
